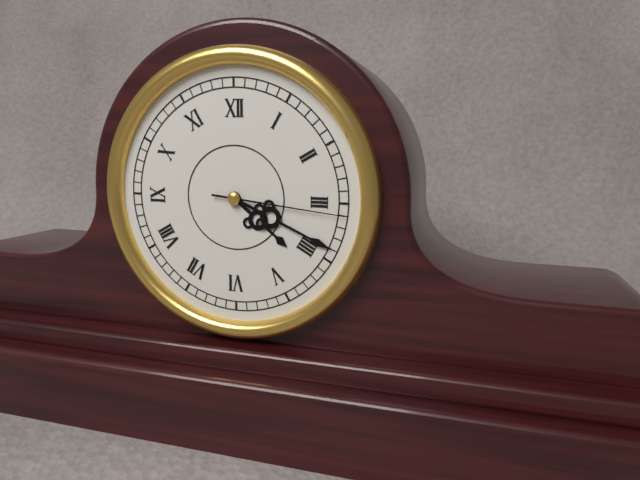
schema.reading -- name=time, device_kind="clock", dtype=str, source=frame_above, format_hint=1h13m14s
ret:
4h19m16s
